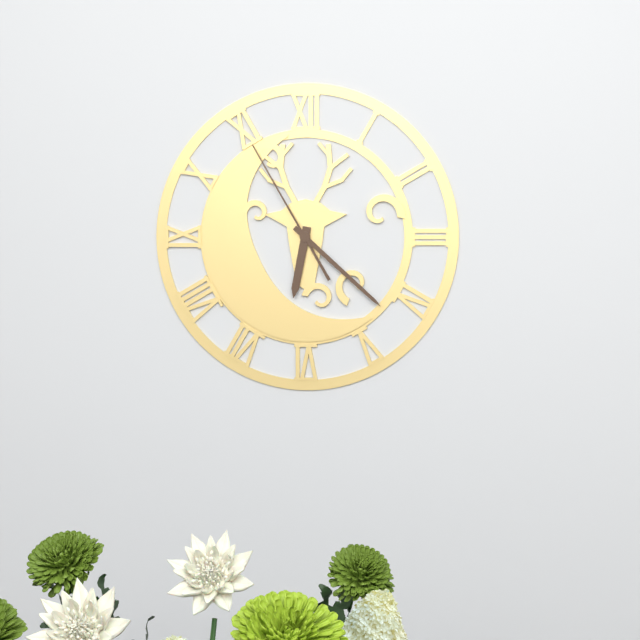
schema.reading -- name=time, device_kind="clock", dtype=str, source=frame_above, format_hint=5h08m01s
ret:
6h22m55s
